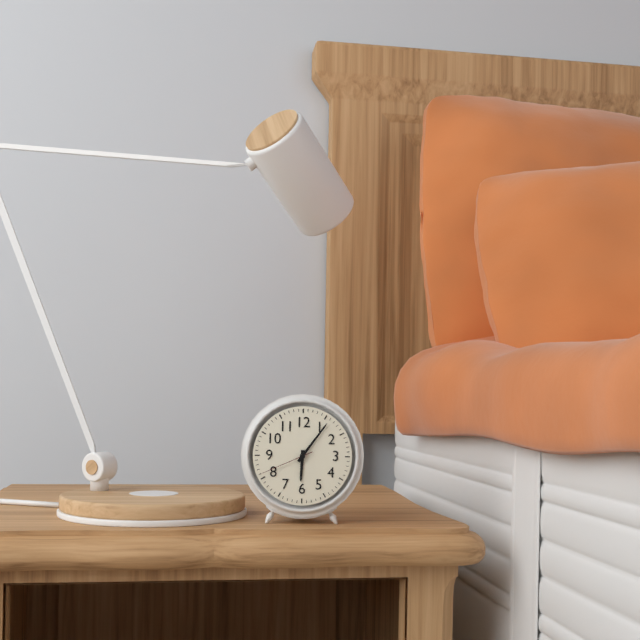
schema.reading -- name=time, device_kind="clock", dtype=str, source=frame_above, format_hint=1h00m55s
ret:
6h06m41s
